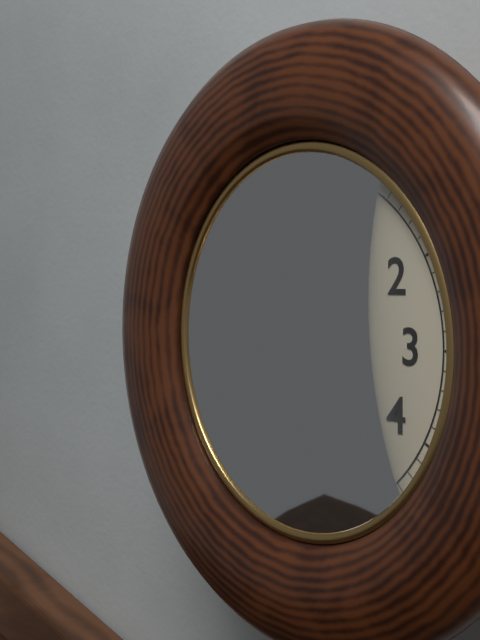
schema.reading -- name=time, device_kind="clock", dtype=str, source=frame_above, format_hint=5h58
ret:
12h29
